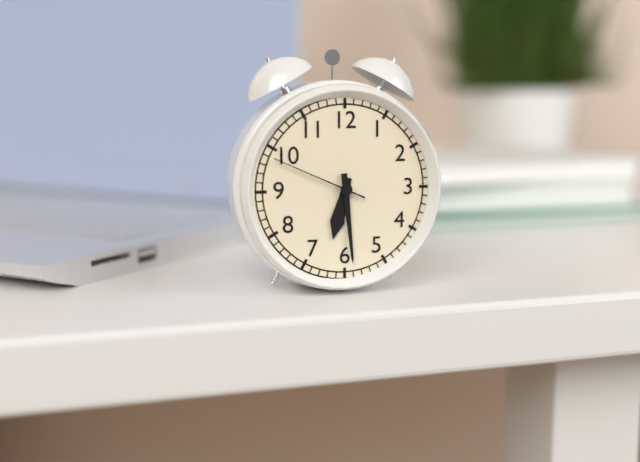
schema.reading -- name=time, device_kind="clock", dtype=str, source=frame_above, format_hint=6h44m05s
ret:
6h29m49s
